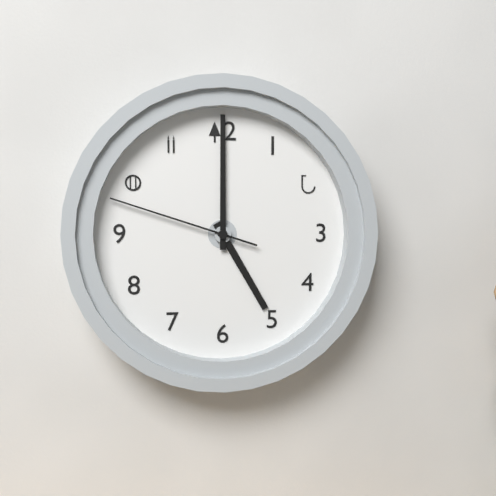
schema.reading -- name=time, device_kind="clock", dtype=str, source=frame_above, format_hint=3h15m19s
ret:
5h00m48s
